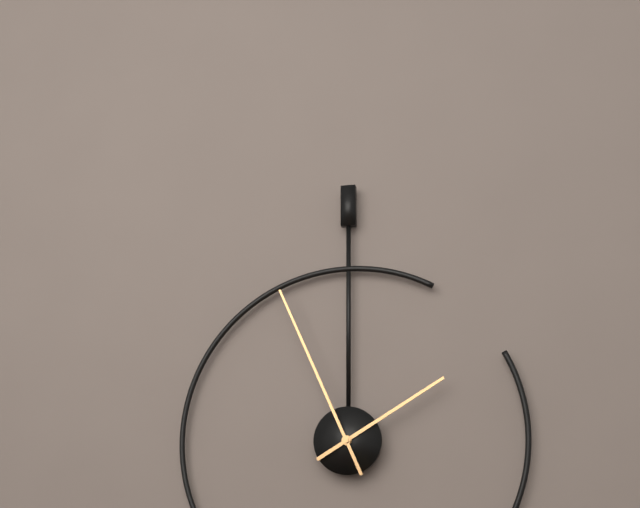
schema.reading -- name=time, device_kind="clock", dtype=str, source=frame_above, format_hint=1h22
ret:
1h56
